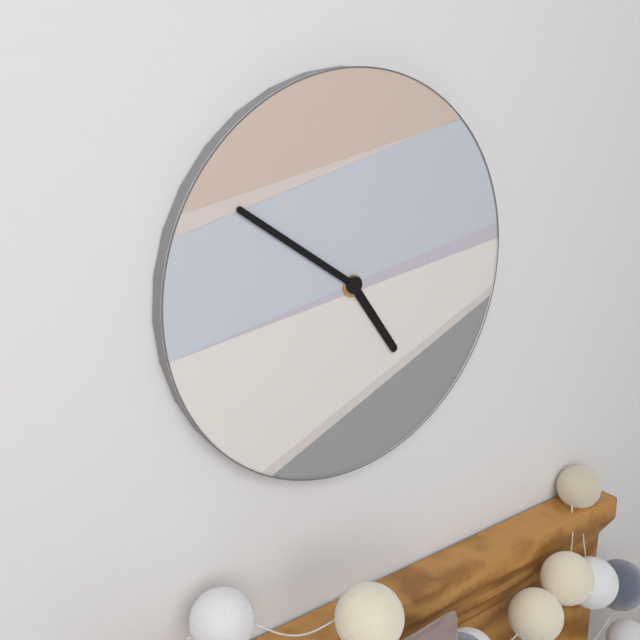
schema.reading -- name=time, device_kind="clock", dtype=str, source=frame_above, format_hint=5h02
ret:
4h51
